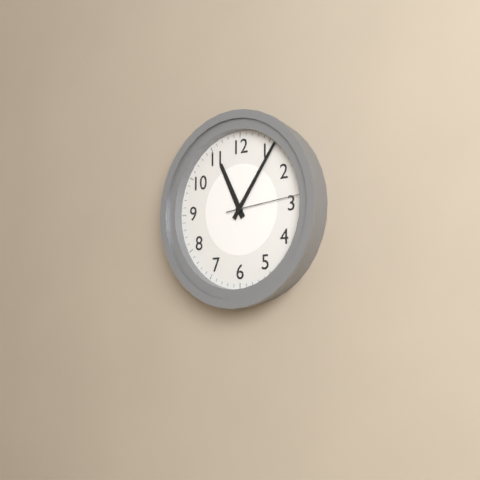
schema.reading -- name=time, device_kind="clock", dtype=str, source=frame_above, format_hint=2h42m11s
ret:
11h06m14s
